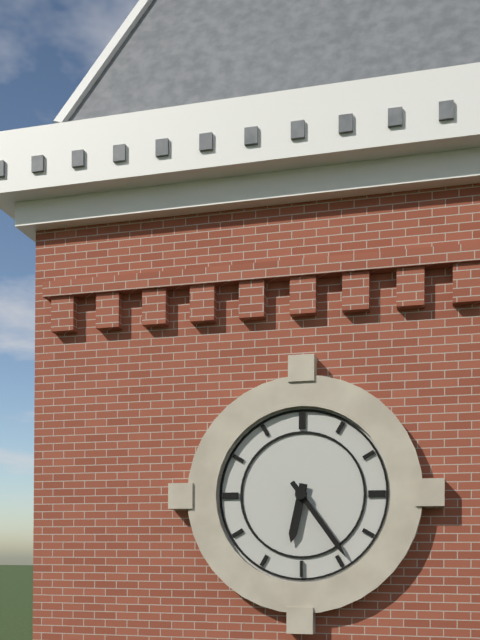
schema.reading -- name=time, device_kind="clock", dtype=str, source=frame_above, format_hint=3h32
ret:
6h24
